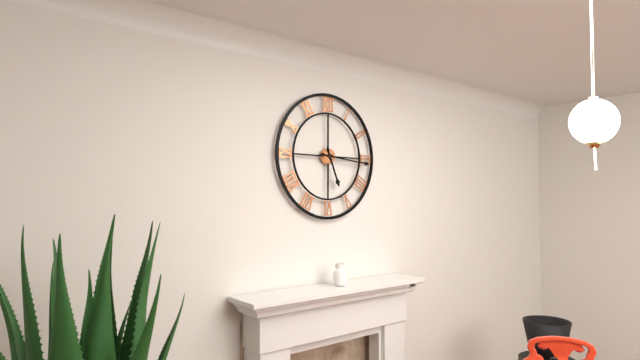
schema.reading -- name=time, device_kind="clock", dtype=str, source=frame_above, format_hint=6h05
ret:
5h16
